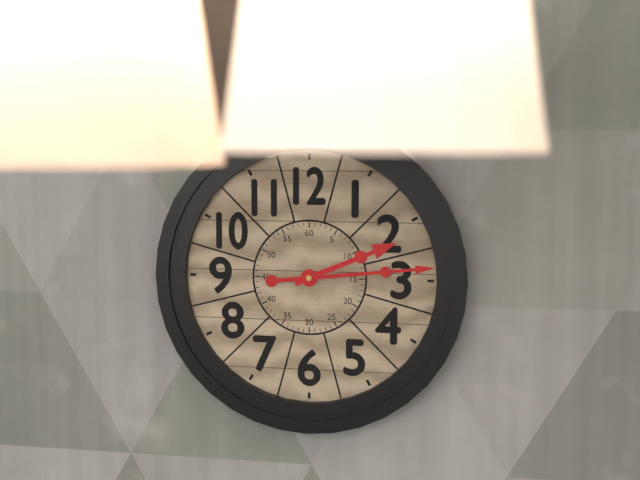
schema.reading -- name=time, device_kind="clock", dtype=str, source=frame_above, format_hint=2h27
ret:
2h14
